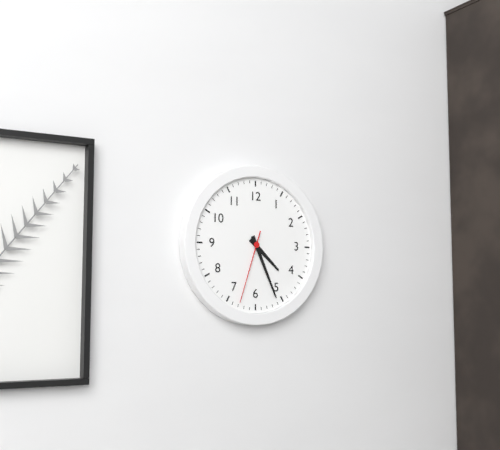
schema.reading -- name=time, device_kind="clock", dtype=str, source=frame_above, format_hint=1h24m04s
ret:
4h26m33s
